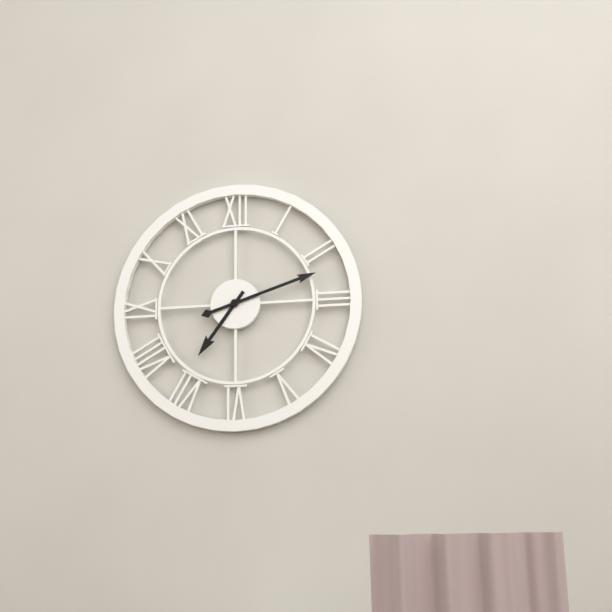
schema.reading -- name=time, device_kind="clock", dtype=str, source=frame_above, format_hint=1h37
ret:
7h12
